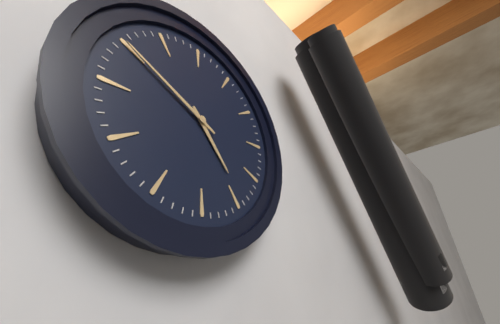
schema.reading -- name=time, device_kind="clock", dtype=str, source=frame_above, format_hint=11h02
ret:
4h50
